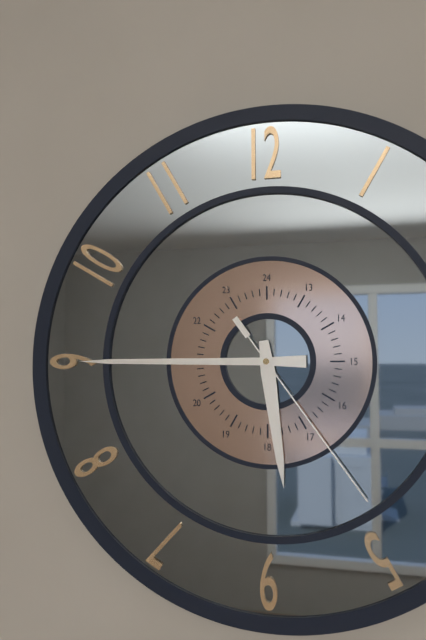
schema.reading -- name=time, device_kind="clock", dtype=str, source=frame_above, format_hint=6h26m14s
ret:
5h45m24s
